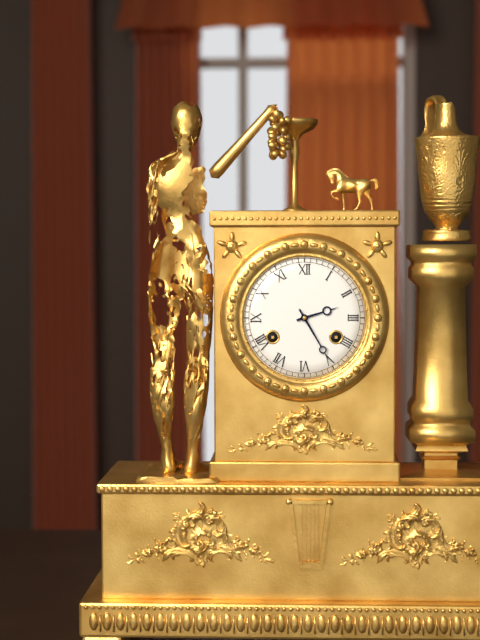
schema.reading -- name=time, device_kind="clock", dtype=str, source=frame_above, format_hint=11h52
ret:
2h25
